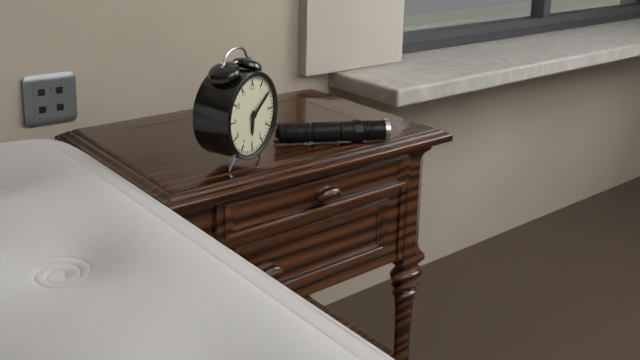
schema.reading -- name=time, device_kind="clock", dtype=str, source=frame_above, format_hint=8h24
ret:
6h09
